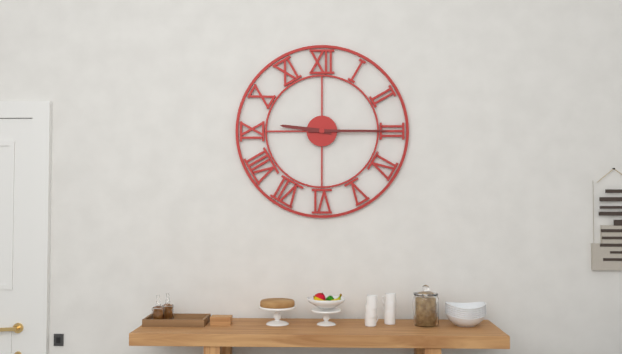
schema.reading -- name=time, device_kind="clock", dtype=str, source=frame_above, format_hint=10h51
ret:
9h15
